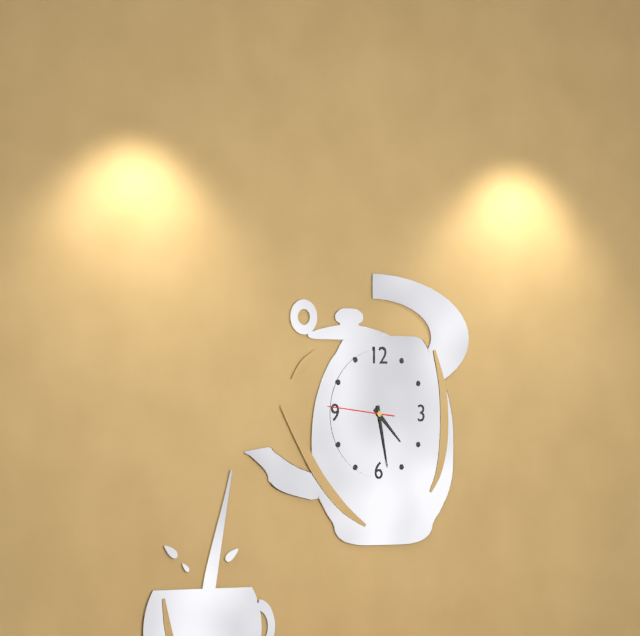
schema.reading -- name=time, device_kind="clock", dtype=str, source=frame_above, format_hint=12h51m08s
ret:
4h28m46s
